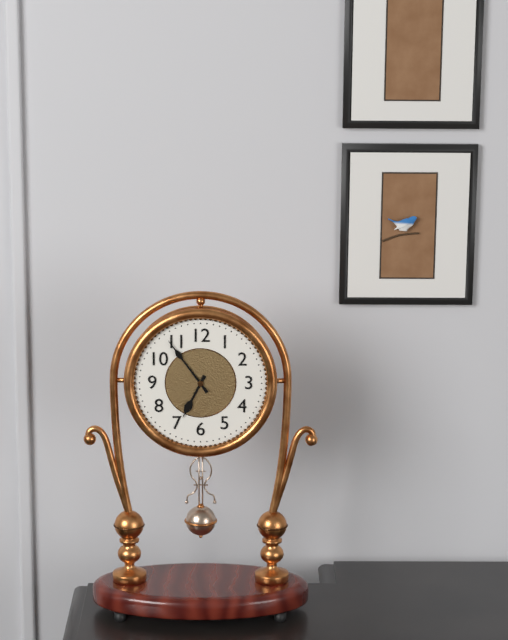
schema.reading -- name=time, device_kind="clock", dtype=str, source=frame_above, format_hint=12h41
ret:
6h54
